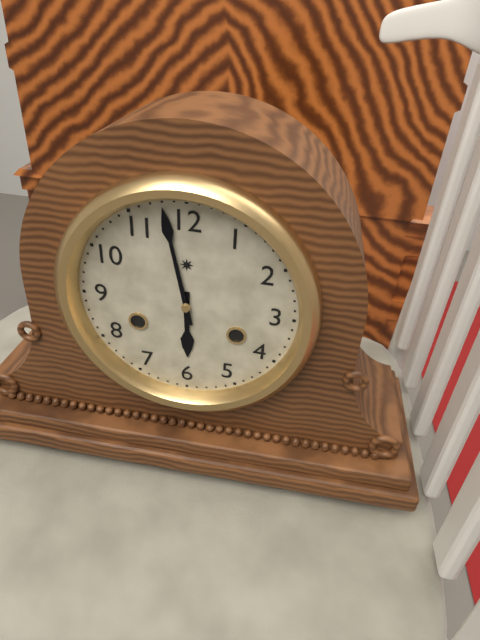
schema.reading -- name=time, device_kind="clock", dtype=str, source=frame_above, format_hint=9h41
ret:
5h58
